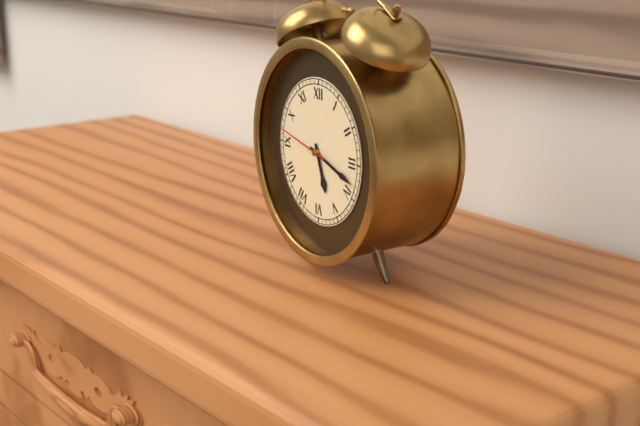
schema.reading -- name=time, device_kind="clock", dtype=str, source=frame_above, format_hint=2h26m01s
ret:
5h18m47s
